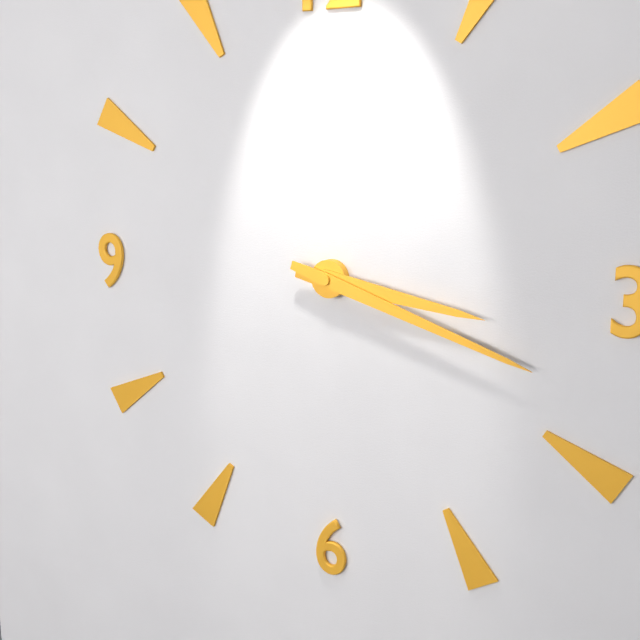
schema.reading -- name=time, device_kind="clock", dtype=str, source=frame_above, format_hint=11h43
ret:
3h18
